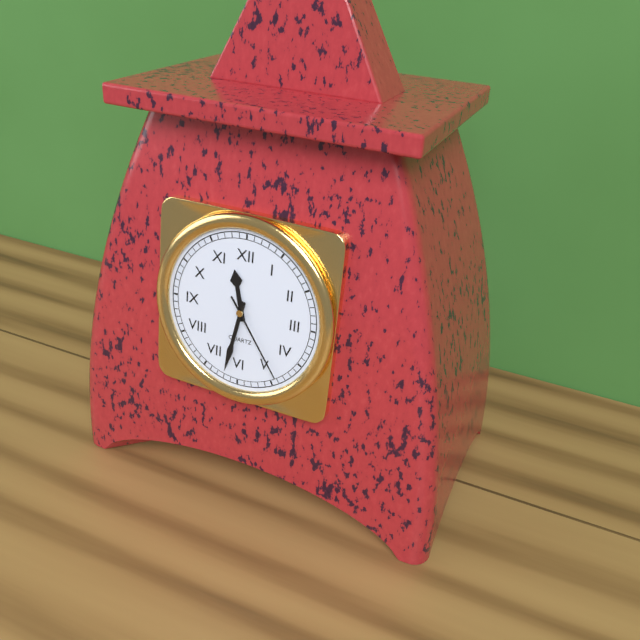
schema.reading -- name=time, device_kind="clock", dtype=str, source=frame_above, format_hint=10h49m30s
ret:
11h32m24s
